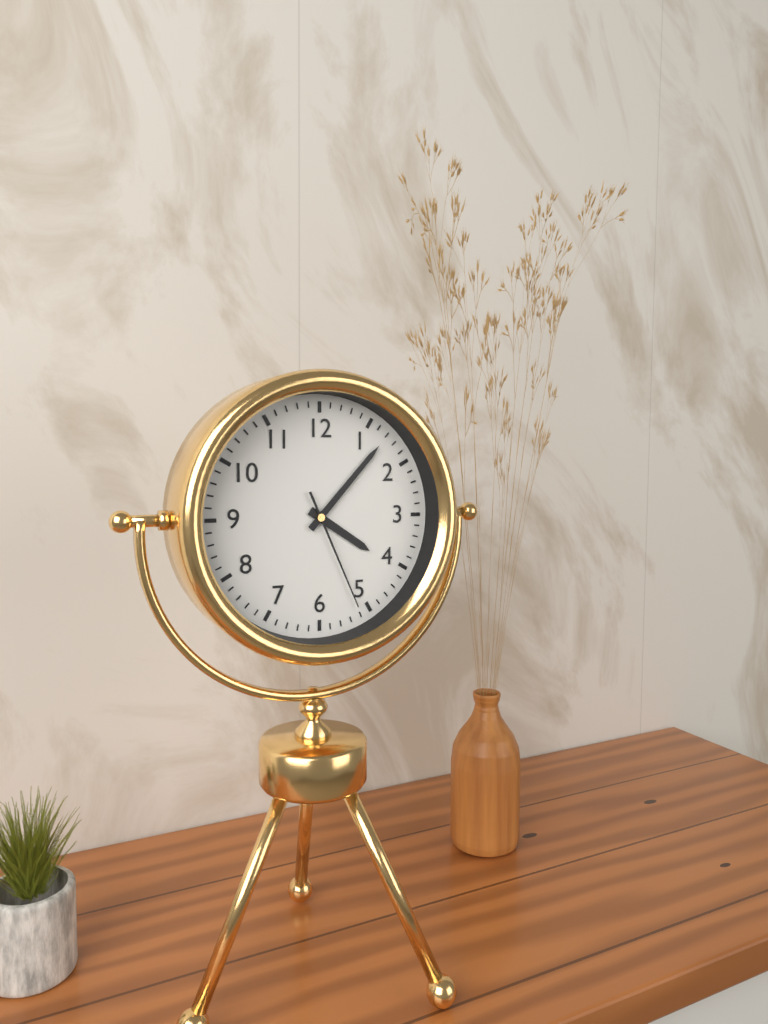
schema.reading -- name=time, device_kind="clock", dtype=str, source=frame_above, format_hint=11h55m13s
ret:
4h07m26s
